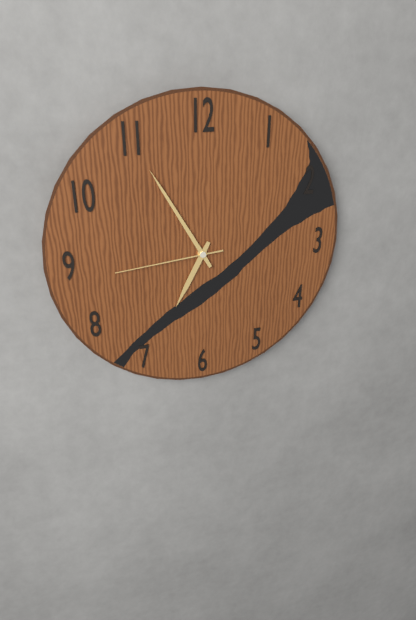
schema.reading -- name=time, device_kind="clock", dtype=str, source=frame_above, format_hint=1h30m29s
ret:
6h55m44s
